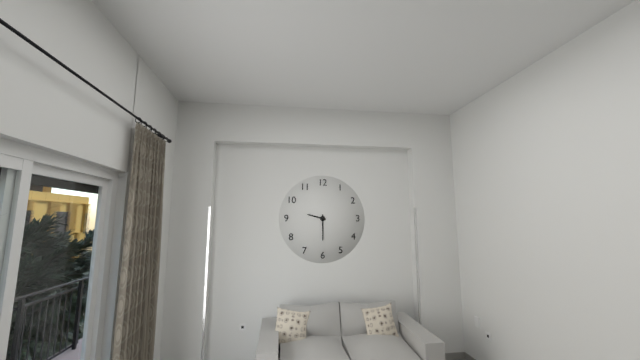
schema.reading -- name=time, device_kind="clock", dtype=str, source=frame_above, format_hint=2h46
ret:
9h30
